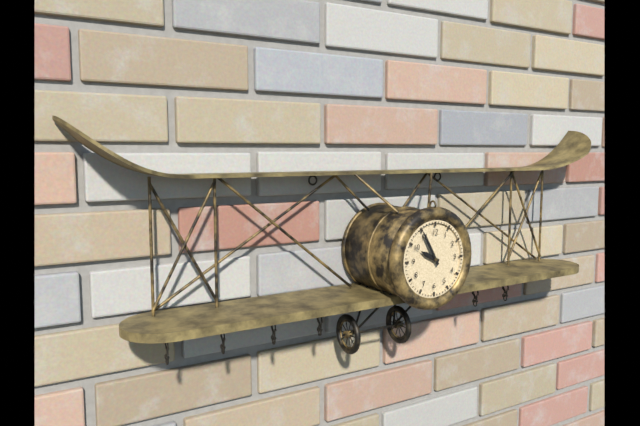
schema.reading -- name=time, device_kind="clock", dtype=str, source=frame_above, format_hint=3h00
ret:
9h55
